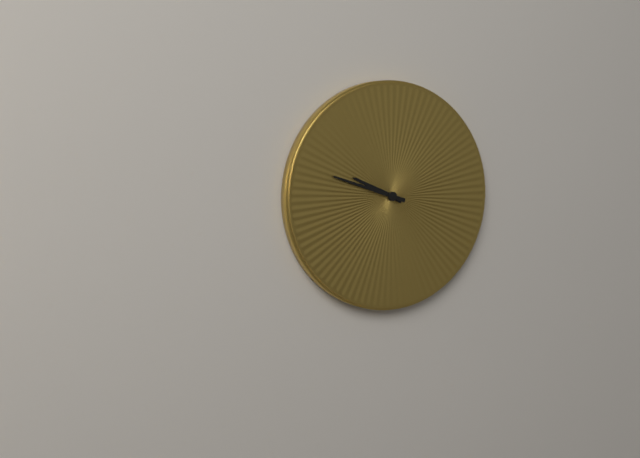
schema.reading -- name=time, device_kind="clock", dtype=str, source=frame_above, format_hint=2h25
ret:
9h48
